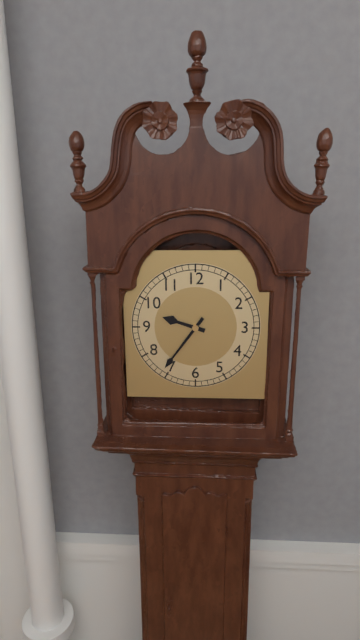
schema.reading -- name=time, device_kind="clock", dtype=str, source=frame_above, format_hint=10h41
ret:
9h36
